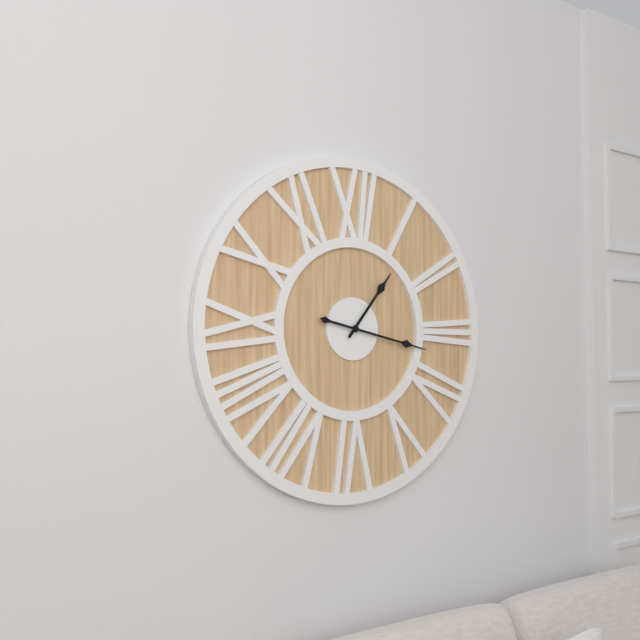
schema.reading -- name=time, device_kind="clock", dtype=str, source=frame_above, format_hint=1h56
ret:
1h17
